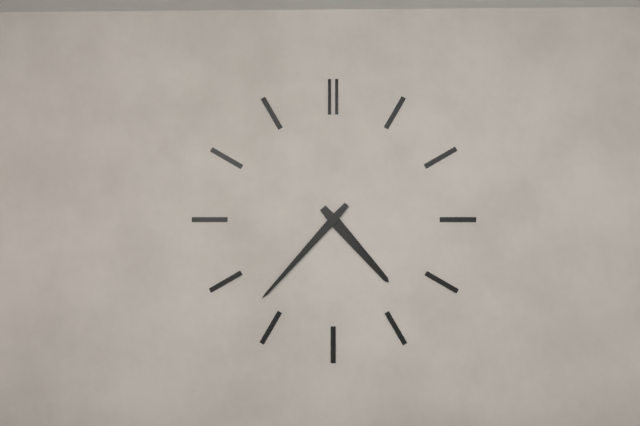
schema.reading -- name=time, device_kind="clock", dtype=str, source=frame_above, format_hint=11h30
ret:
4h37
